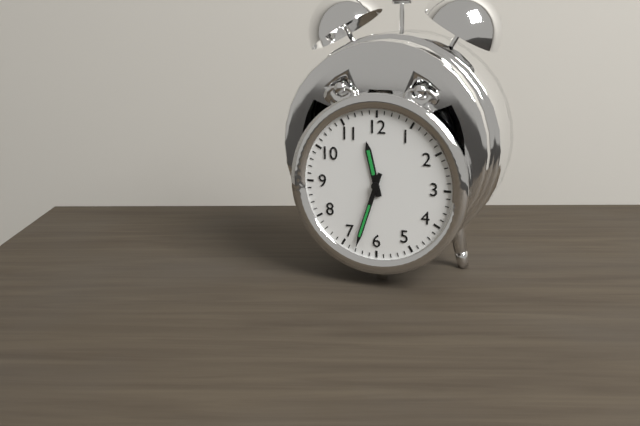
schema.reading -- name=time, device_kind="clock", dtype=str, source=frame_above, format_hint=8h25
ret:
11h33
